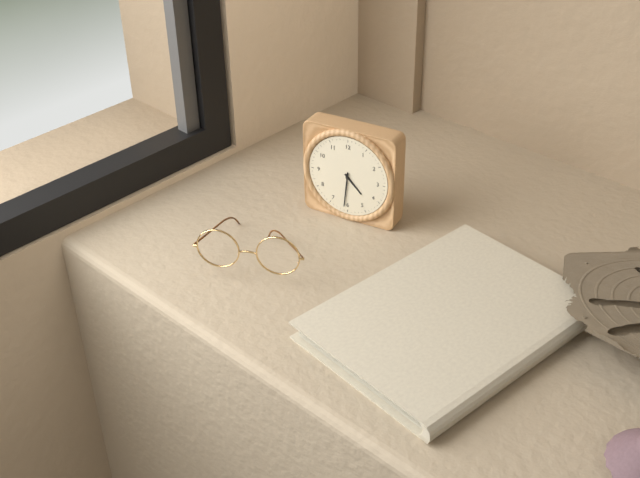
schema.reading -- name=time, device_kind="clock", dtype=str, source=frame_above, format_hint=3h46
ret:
4h31
